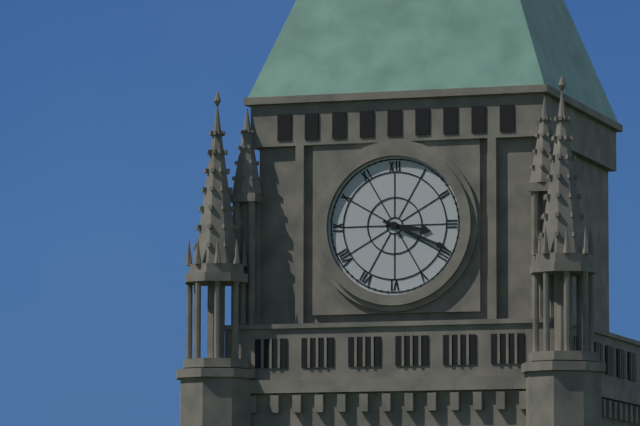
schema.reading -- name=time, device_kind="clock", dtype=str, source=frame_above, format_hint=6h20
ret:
3h19
